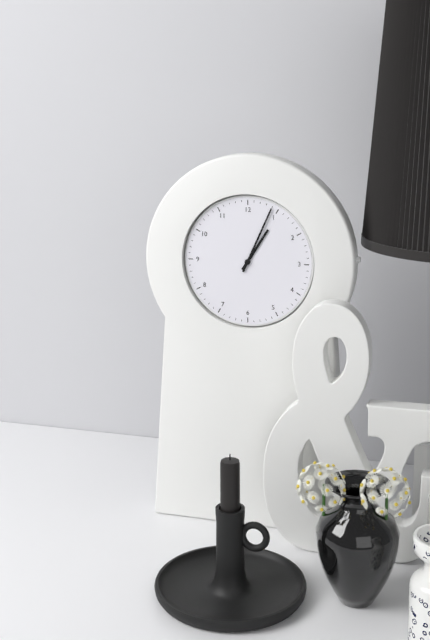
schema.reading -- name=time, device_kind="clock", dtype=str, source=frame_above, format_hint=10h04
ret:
1h04
